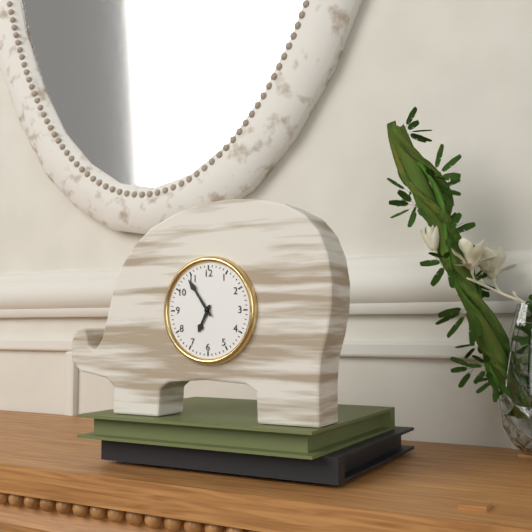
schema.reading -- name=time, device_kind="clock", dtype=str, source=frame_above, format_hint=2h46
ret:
6h54
